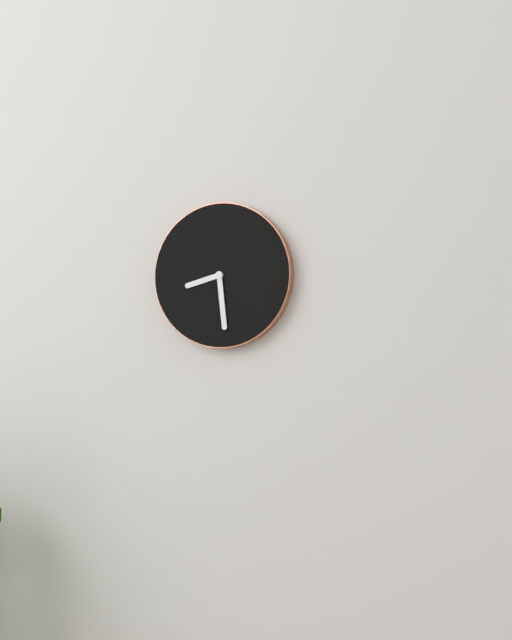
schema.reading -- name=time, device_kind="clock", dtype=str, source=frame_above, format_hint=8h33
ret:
8h29
